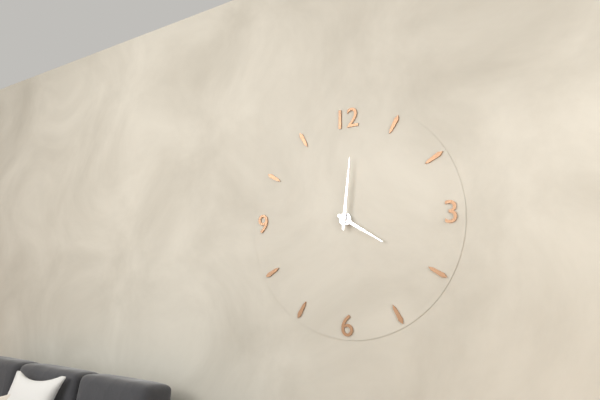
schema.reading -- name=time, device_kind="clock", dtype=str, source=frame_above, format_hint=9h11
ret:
4h01
